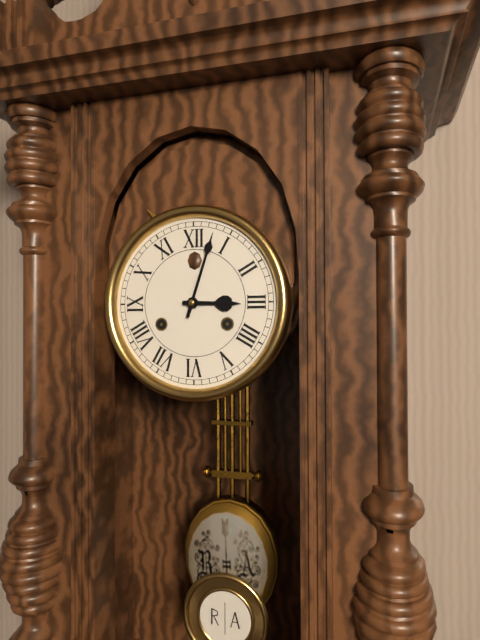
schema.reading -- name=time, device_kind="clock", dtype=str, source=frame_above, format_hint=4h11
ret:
3h03
